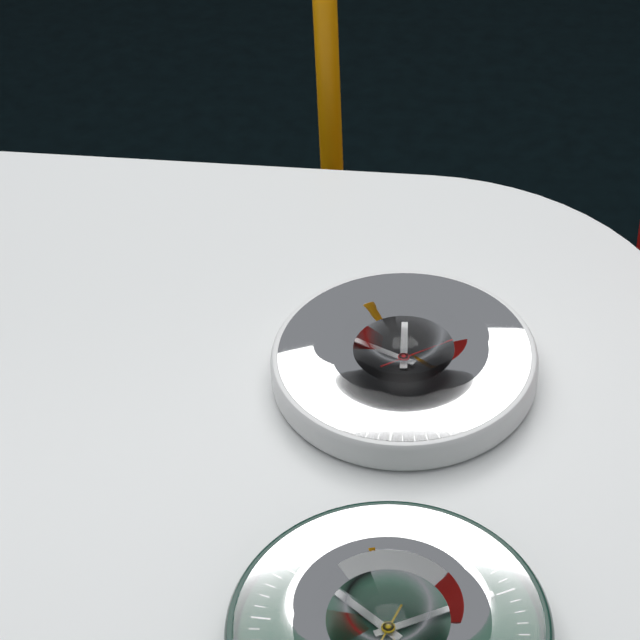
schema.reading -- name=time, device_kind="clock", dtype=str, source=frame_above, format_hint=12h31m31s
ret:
11h49m09s
